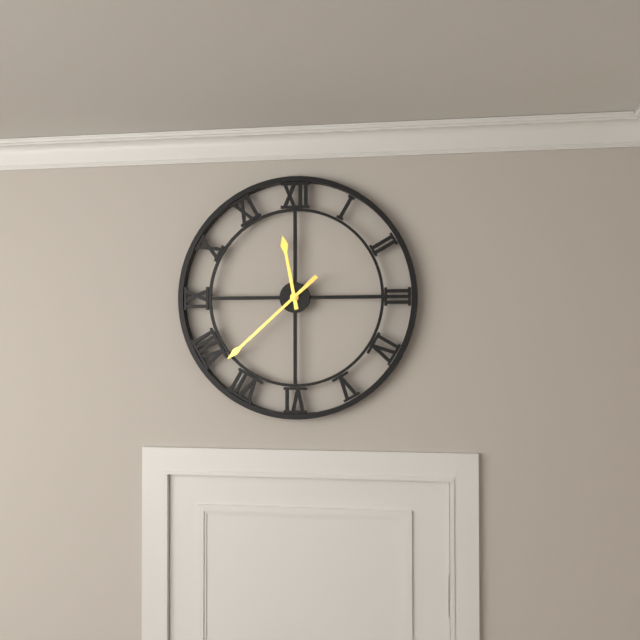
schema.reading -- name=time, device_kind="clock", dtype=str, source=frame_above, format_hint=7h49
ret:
11h38
